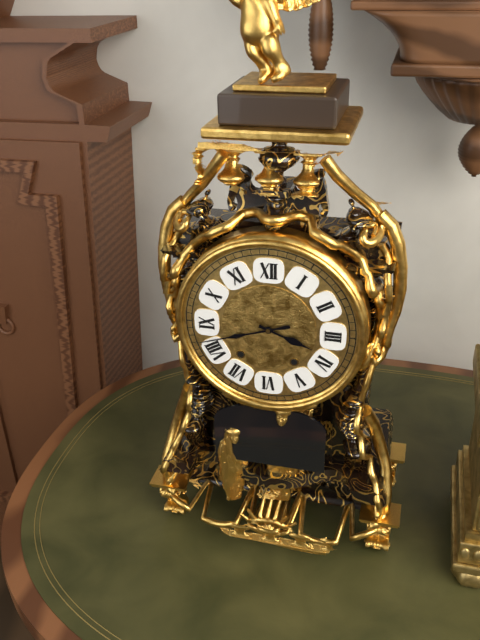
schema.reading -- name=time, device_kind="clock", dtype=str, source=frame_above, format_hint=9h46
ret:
3h42
